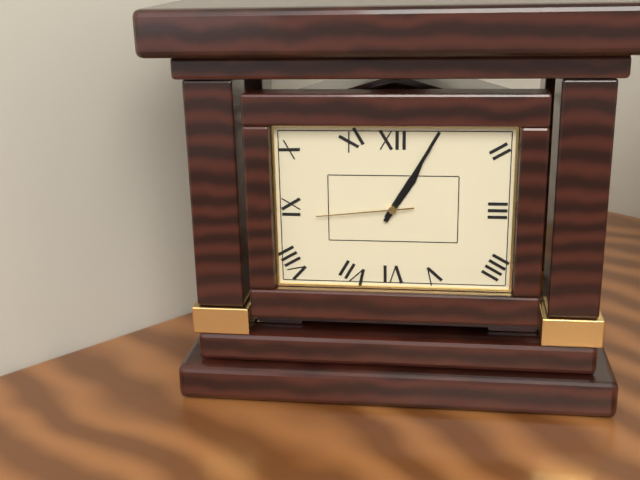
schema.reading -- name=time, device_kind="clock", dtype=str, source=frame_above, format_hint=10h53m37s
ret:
1h05m44s
